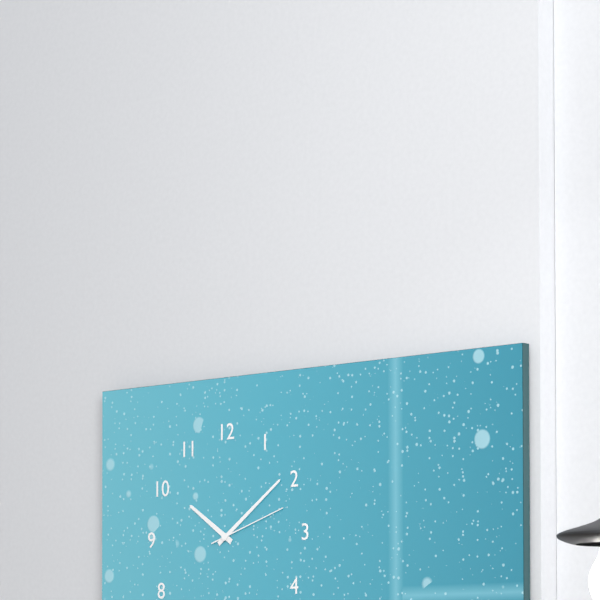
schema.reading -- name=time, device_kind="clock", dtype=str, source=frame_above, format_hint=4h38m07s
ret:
10h09m12s
